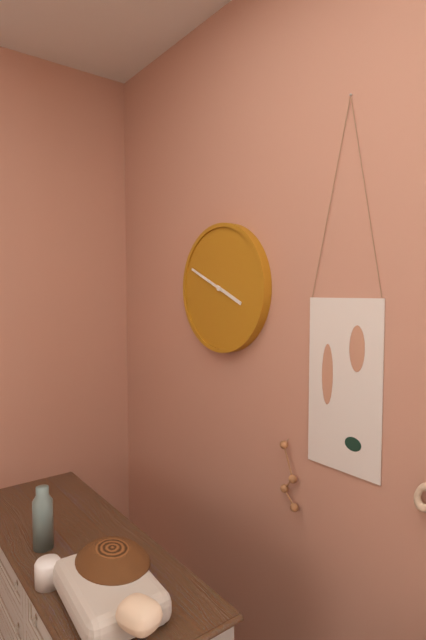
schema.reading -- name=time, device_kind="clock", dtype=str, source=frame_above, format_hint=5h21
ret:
3h49
